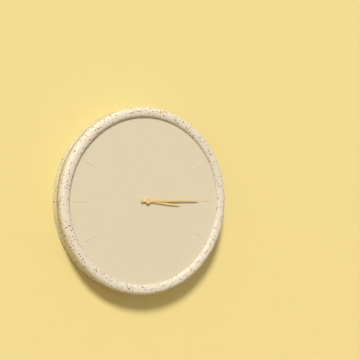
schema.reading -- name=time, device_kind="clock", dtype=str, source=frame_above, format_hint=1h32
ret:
3h15
